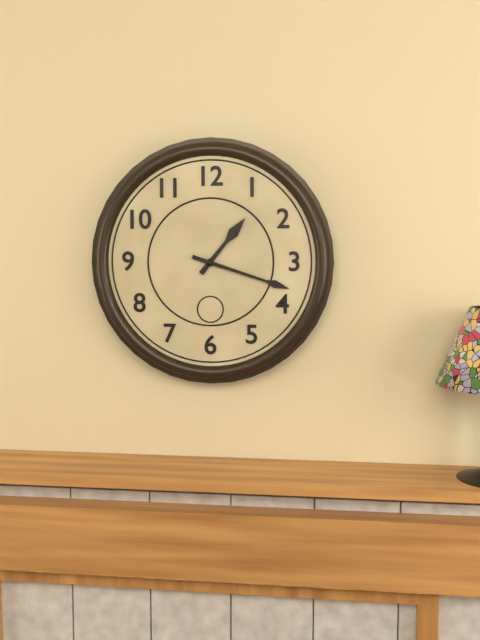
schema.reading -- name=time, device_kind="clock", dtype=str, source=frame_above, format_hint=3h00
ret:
1h18
